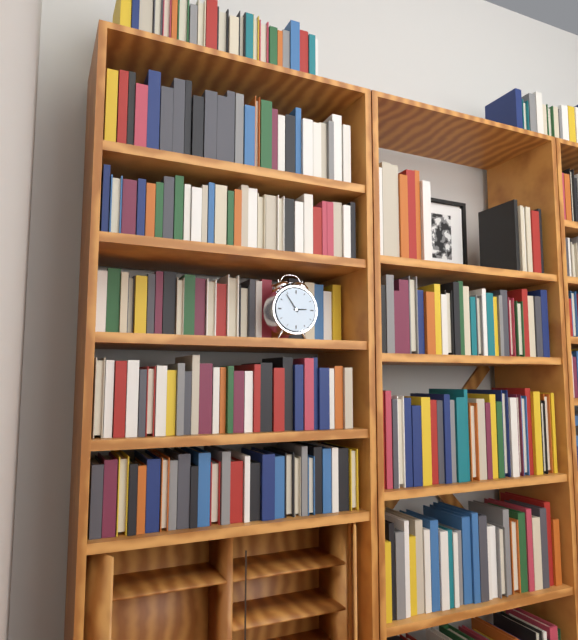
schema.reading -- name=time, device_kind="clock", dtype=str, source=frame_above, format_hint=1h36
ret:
2h54
